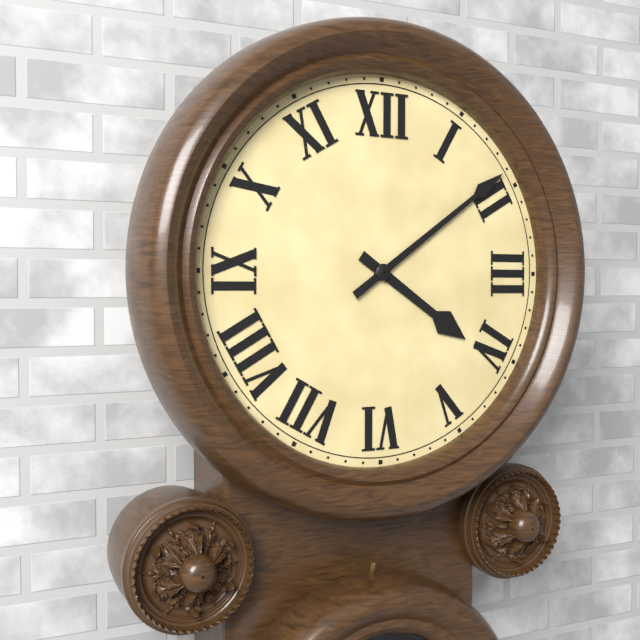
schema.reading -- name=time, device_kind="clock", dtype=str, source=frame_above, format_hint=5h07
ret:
4h09
